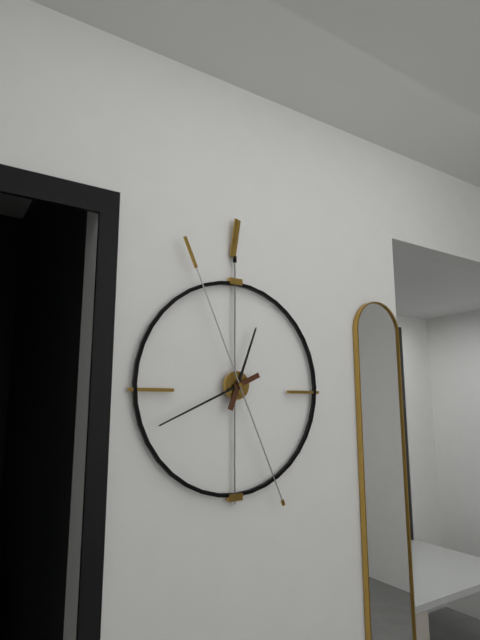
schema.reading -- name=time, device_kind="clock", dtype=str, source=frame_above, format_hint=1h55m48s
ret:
12h41m56s
